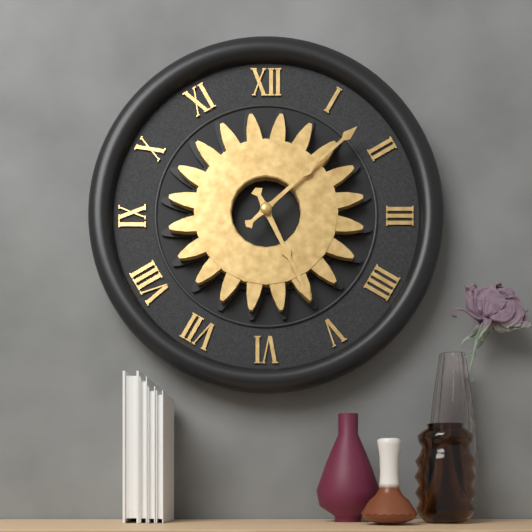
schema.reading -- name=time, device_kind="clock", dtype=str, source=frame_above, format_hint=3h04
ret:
5h08
